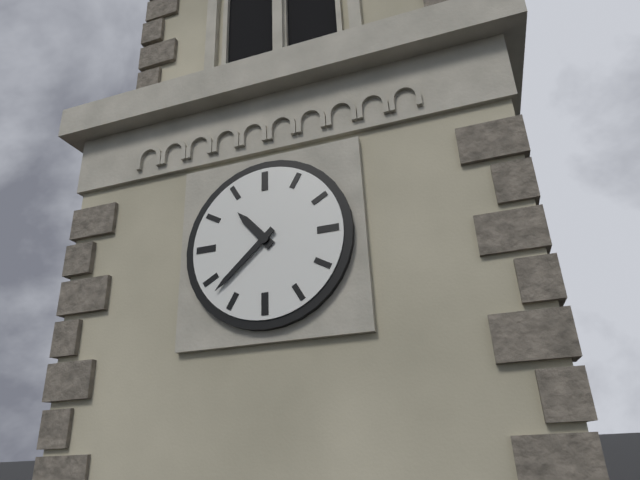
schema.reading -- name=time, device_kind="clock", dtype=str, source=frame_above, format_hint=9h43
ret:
10h38
